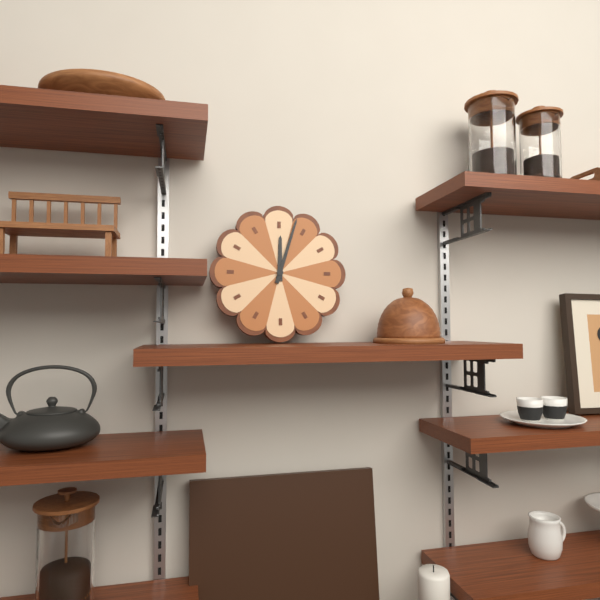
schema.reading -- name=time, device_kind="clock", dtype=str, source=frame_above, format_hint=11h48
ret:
12h03
